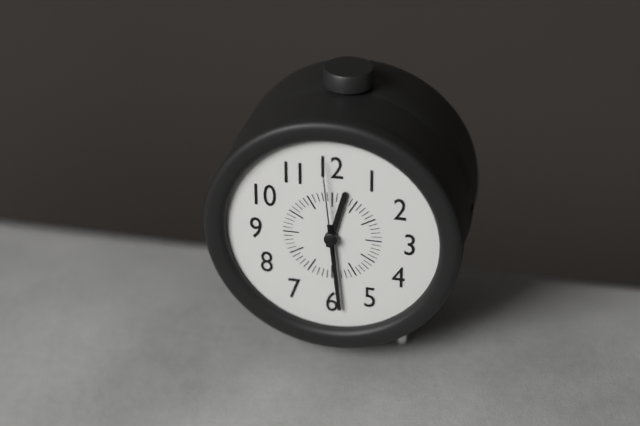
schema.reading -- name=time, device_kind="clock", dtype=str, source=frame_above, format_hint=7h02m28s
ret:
12h29m59s
